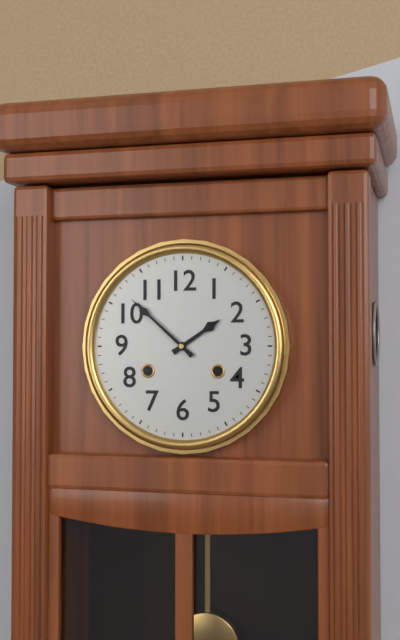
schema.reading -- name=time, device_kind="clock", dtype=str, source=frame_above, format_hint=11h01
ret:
1h52
